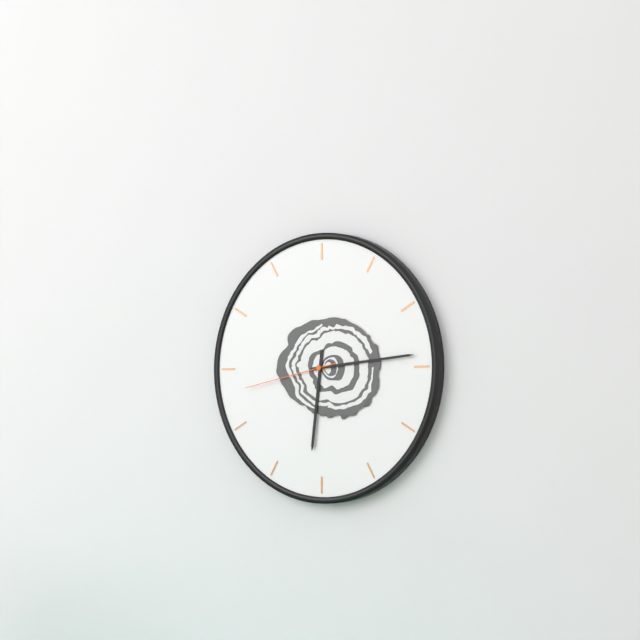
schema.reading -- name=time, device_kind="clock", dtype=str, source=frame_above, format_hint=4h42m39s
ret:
6h14m43s
